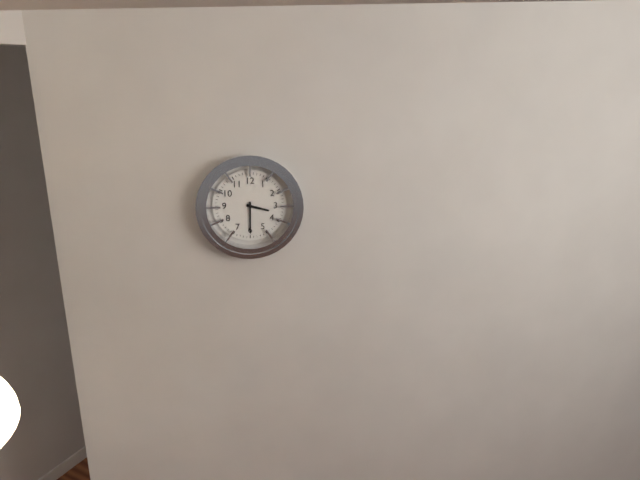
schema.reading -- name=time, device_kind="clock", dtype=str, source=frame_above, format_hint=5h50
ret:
3h30
